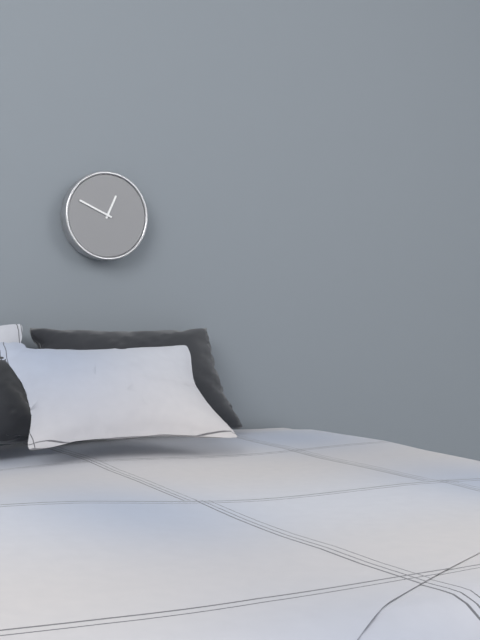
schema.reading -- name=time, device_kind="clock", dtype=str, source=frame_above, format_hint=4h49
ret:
12h49
